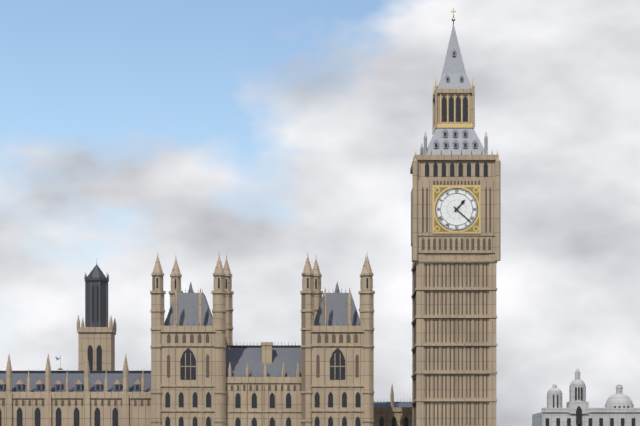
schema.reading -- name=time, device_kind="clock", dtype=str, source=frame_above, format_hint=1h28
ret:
1h22
